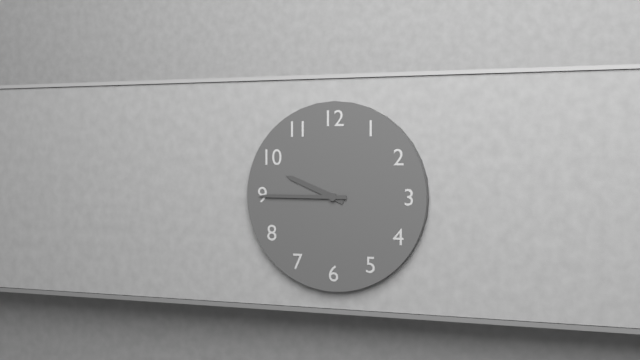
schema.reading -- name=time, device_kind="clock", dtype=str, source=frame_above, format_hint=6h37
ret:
9h45
